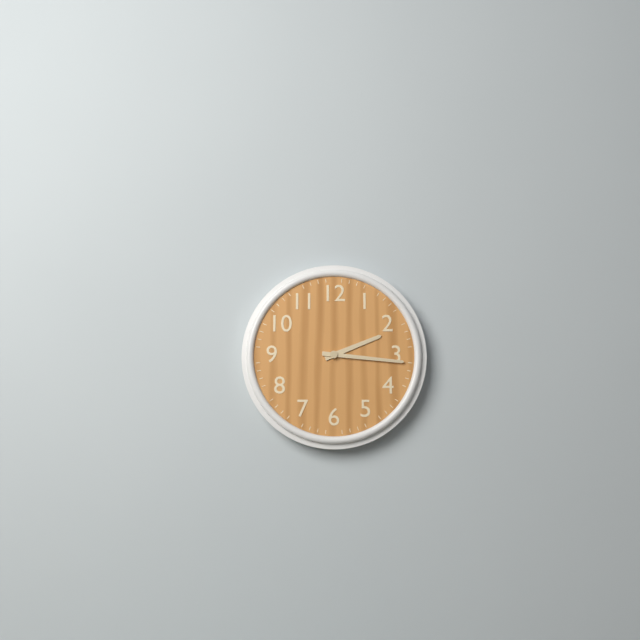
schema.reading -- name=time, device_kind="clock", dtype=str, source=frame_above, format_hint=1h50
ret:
2h16
